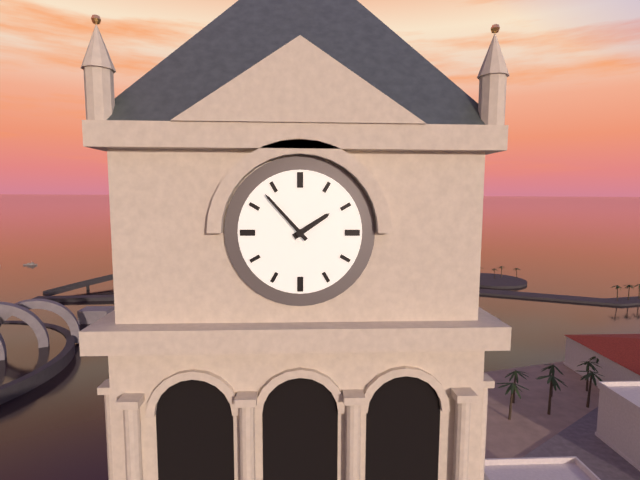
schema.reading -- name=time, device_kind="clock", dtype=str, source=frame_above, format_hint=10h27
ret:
1h53
